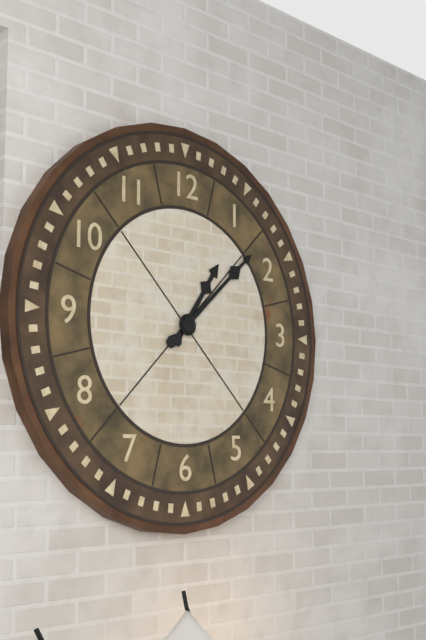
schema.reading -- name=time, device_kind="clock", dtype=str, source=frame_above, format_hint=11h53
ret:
1h08
